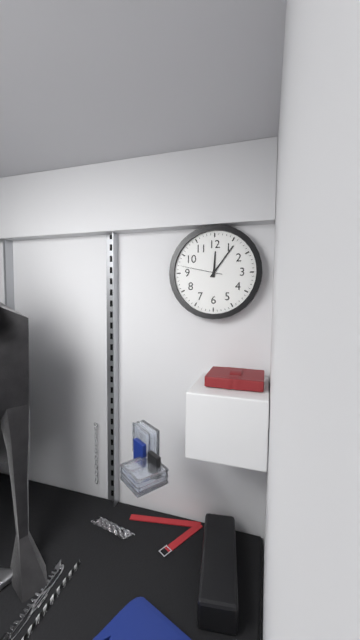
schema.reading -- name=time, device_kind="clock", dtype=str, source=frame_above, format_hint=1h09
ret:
12h06
